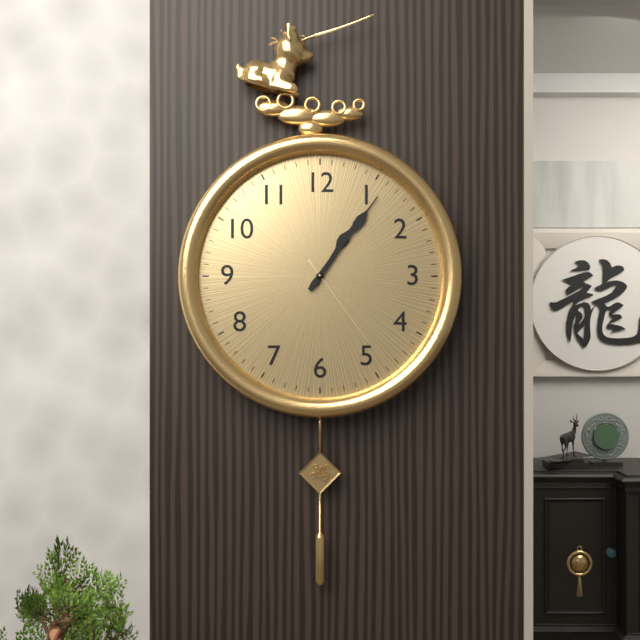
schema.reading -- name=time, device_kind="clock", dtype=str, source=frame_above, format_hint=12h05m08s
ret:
1h06m24s
